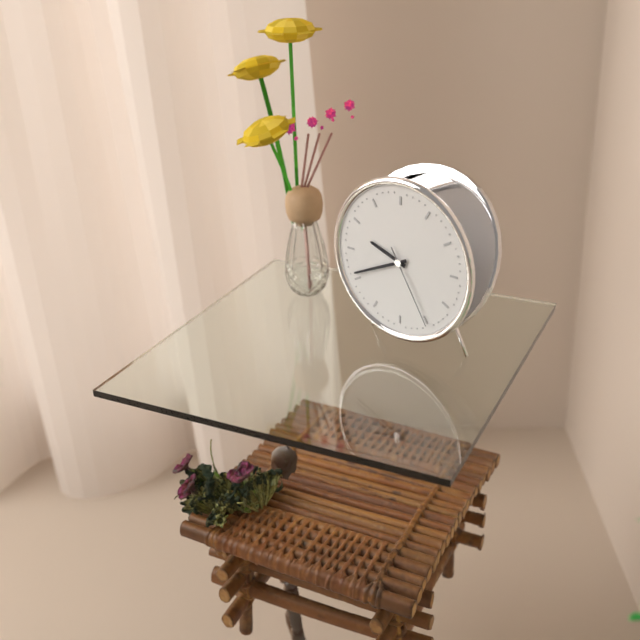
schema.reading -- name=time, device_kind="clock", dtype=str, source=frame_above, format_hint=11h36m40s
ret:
9h41m25s
